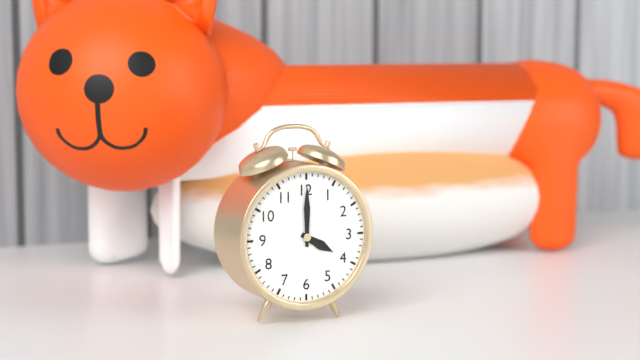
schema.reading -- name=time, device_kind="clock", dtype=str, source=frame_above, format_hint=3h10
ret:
4h00
